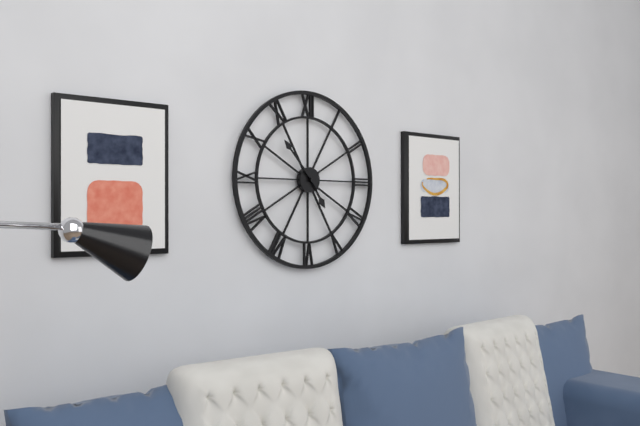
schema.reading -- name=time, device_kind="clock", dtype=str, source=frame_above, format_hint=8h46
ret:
4h53
